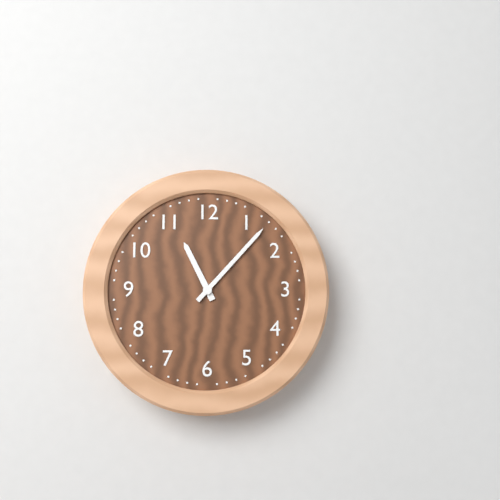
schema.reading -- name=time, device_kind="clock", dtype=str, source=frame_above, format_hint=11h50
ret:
11h07
